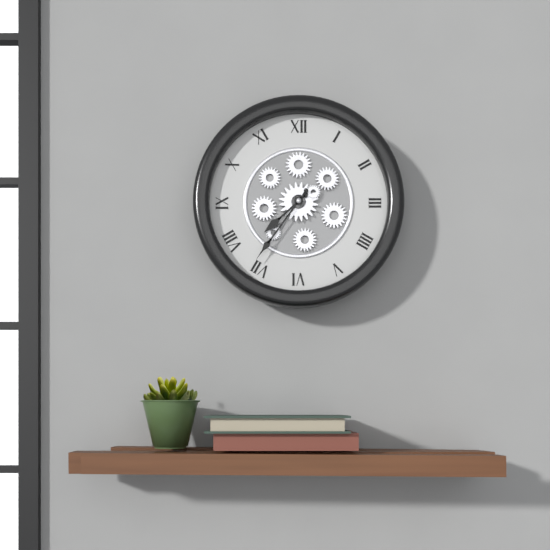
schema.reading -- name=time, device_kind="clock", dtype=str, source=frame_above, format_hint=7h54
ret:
7h36
